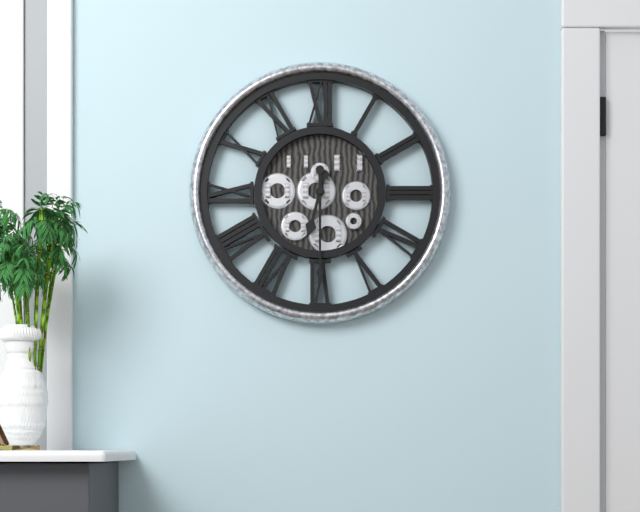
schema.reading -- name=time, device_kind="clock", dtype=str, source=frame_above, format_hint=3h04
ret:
6h30
